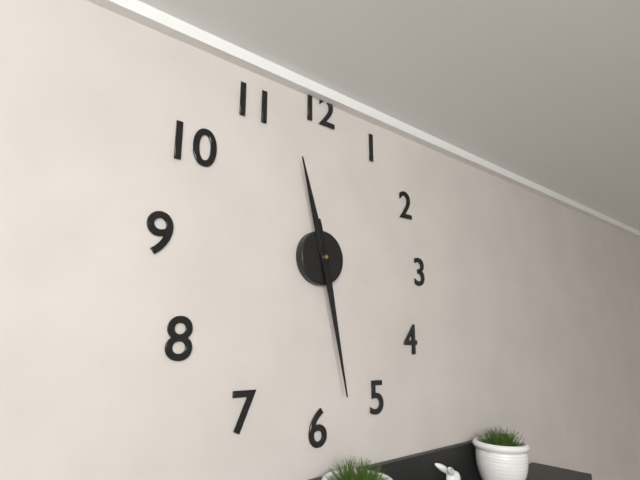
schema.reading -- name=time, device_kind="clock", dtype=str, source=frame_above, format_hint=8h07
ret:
11h28
